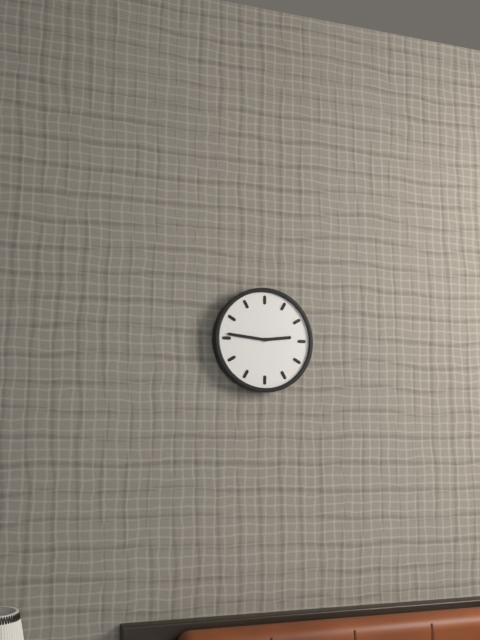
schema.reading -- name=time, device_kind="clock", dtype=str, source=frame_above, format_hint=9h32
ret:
2h46
